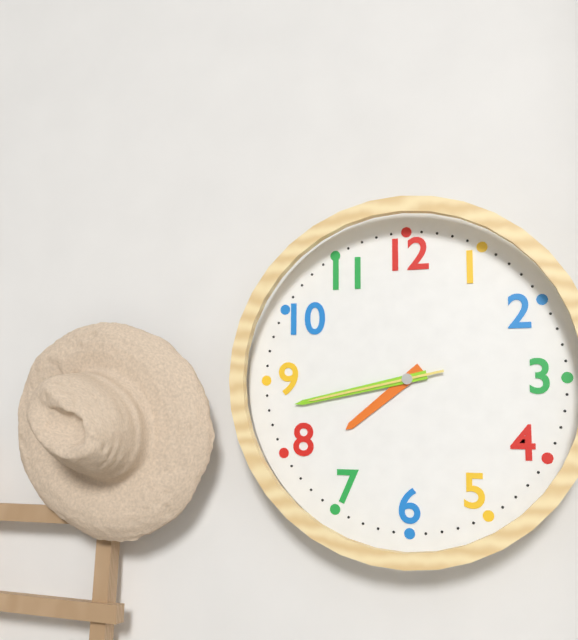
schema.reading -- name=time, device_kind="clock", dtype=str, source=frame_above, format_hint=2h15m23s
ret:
7h43m43s
